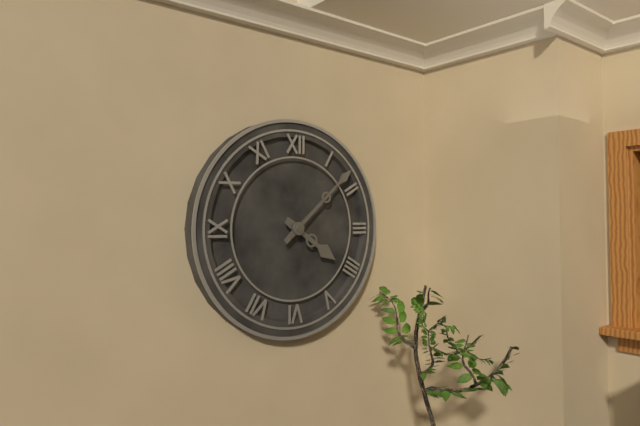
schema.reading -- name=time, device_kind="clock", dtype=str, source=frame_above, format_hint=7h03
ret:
4h08
